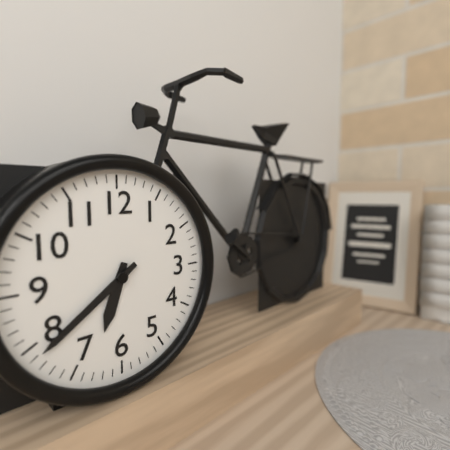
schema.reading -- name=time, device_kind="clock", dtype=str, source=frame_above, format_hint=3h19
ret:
6h39
